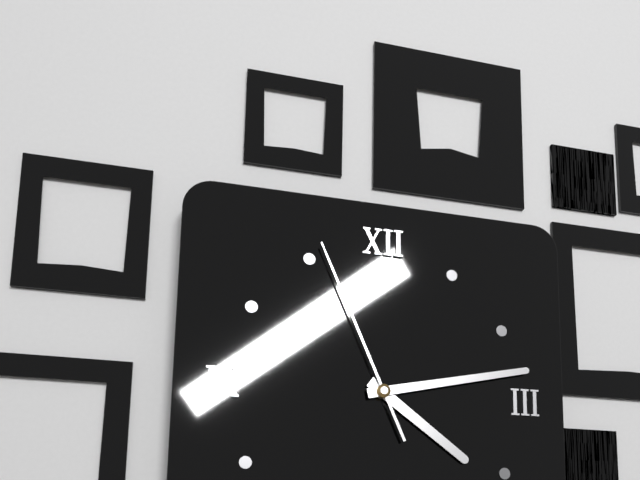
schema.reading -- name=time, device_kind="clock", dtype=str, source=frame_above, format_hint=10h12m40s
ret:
4h13m56s
